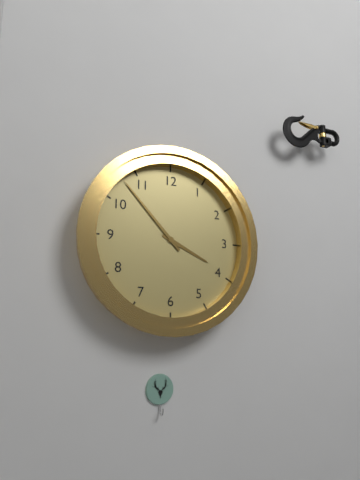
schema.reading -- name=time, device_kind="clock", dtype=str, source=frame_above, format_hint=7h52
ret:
3h53
